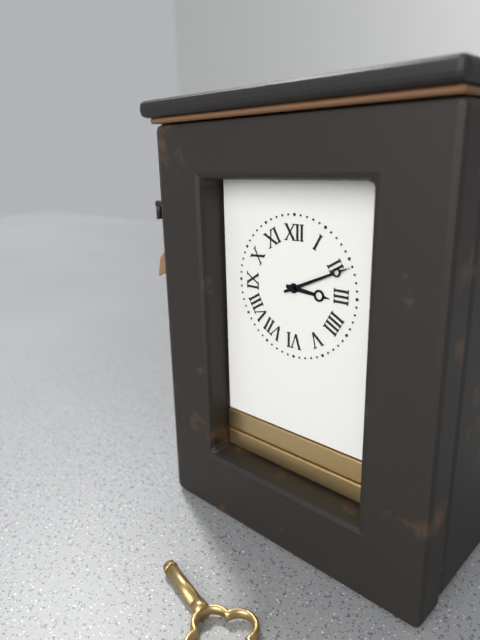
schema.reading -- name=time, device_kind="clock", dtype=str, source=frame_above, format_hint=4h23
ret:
3h11
